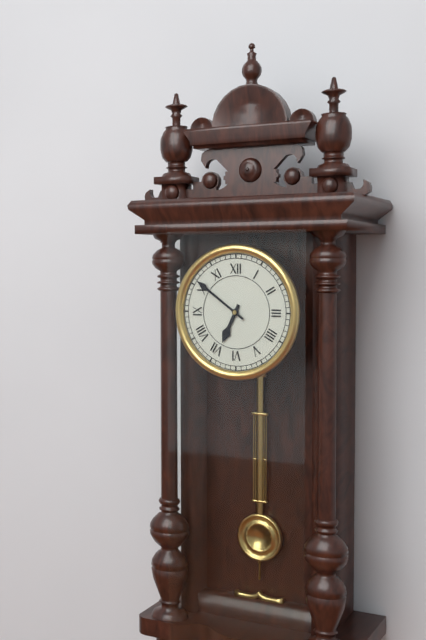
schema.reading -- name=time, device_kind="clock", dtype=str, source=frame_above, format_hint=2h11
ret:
6h51
